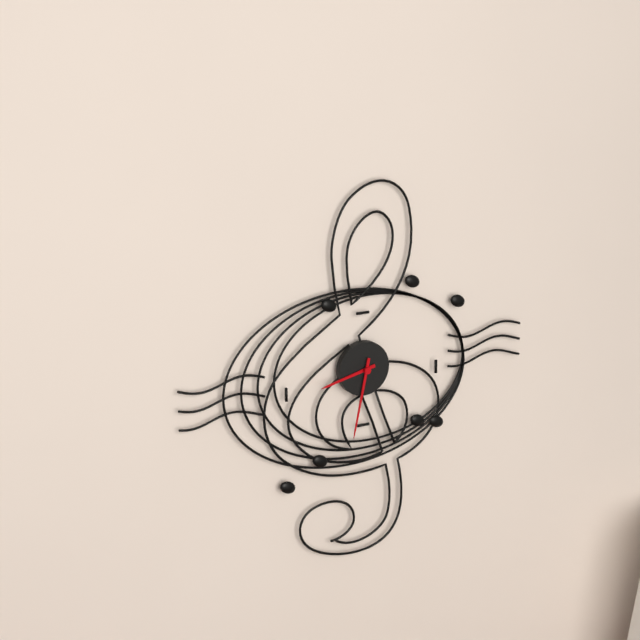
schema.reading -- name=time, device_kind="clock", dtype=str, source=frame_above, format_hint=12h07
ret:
8h32
